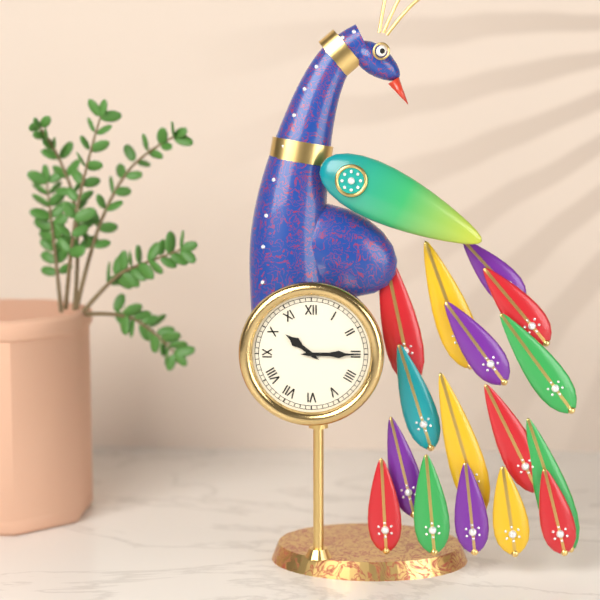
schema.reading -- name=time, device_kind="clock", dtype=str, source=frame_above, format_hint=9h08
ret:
10h15
